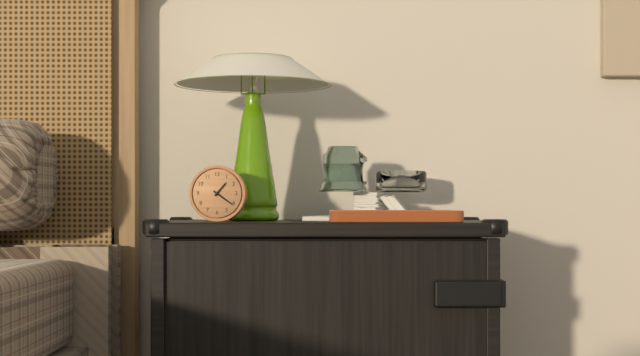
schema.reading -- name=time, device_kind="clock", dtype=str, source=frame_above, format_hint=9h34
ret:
1h21
